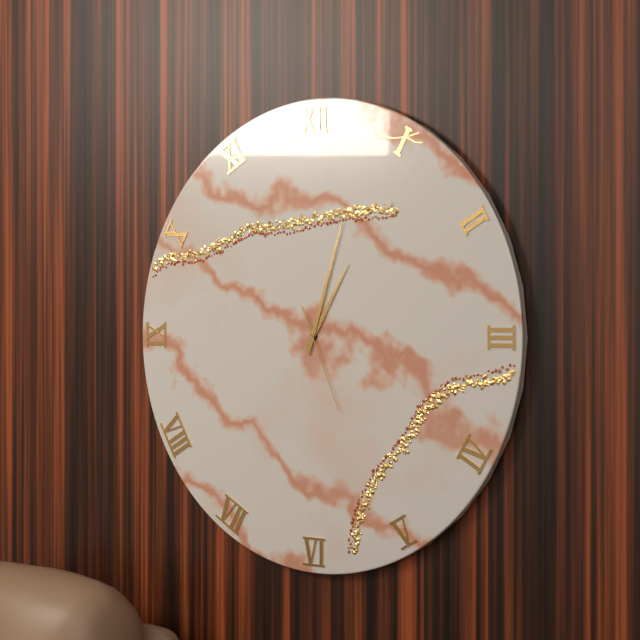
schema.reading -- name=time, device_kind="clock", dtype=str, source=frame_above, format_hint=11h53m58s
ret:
1h03m26s
